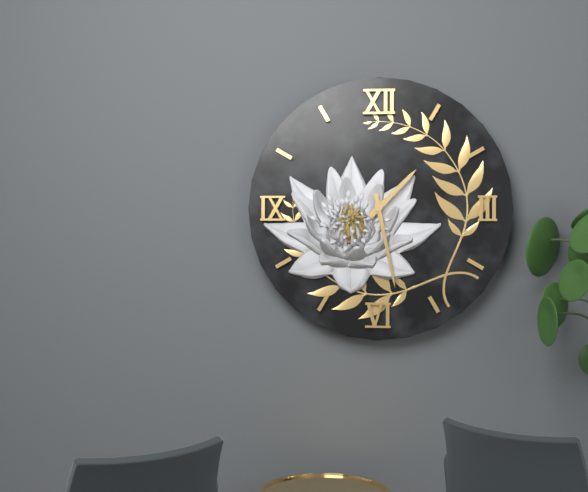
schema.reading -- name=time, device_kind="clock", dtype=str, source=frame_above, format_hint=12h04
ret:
1h28
